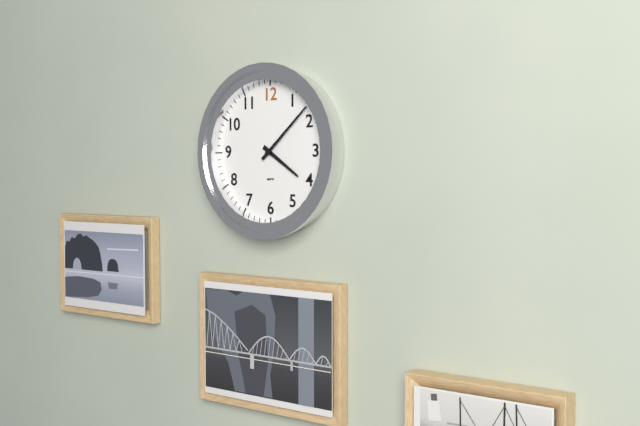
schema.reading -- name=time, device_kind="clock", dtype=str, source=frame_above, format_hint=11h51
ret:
4h08
